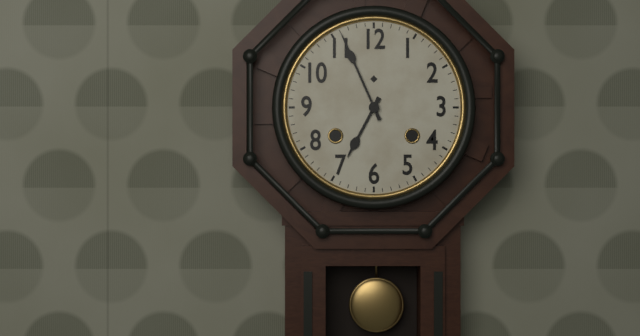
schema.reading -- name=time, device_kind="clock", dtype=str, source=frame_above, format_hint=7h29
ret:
6h56
